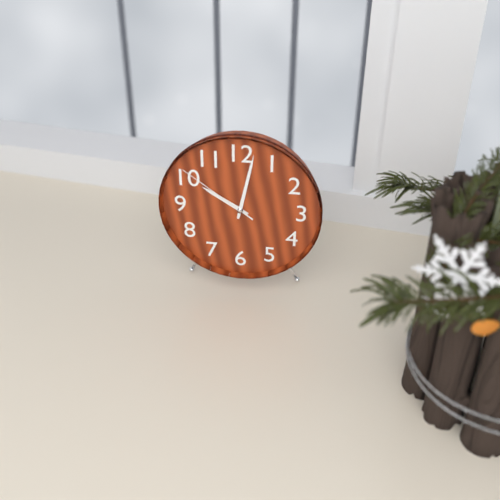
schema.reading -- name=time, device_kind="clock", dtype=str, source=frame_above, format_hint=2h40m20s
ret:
10h02m51s
